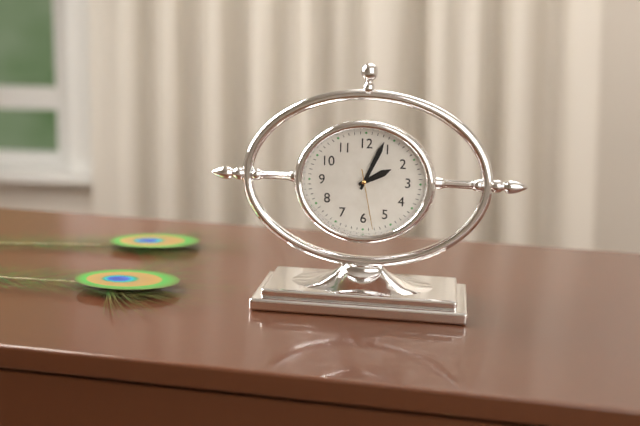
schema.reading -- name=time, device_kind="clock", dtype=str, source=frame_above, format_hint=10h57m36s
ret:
2h04m28s
